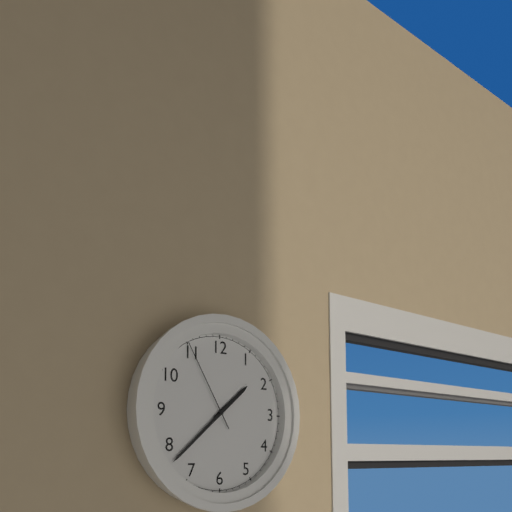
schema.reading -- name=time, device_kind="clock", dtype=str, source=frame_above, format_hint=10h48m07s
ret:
1h38m55s
